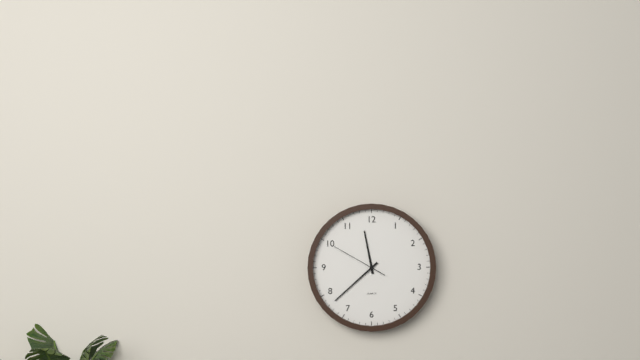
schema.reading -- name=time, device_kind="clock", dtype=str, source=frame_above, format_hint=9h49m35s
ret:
11h38m50s
